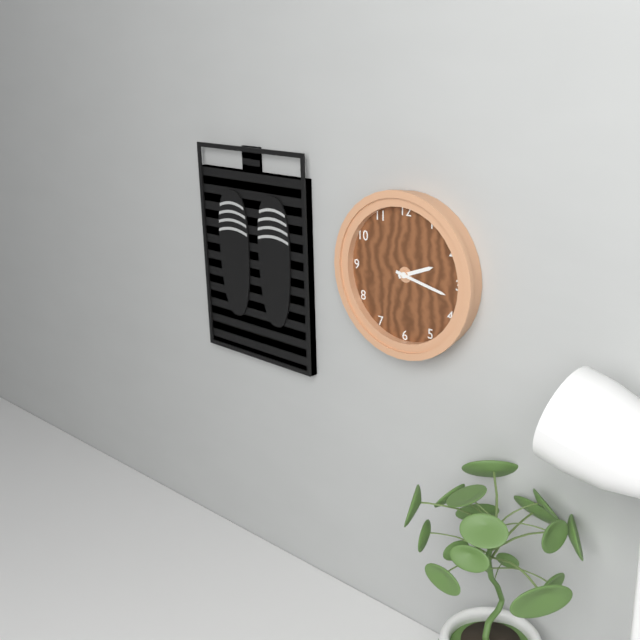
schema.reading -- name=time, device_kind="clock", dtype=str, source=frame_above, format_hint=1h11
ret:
2h17
